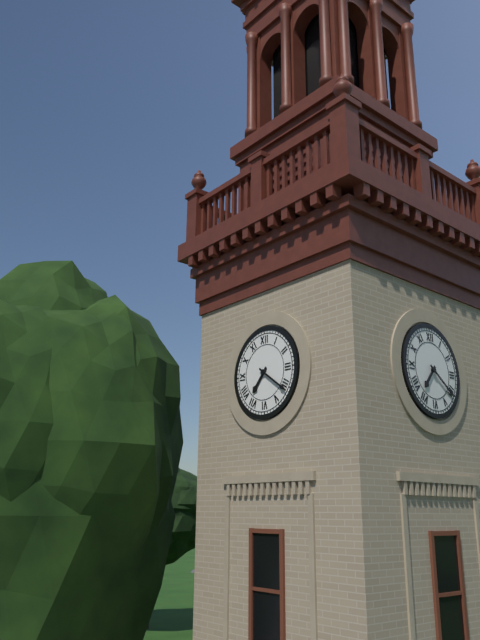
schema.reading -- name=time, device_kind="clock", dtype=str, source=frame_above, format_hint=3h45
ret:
7h21
